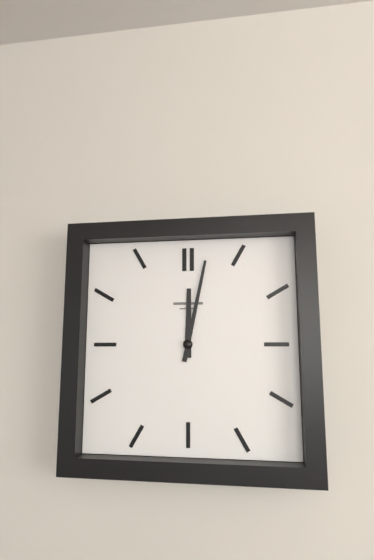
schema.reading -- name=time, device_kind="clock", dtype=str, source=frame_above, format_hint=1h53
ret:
12h02
